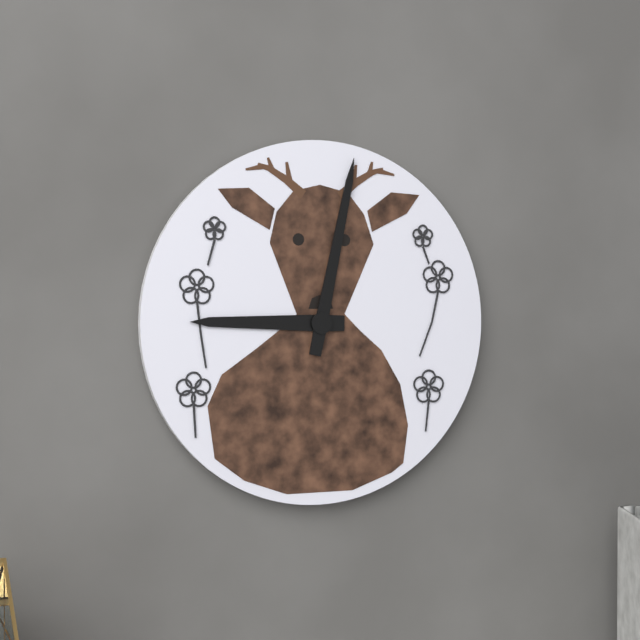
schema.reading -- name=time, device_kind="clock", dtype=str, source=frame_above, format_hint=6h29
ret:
9h02
